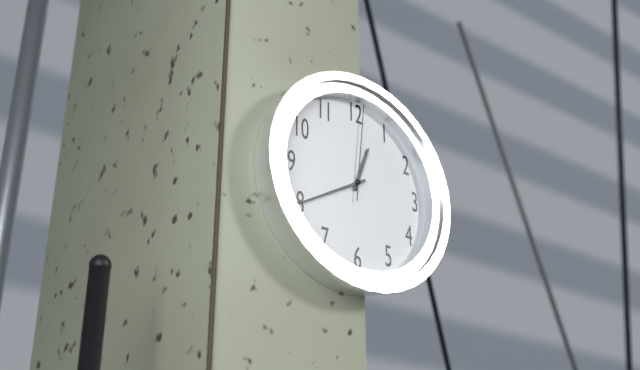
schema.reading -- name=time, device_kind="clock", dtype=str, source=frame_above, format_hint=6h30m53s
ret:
12h40m01s
